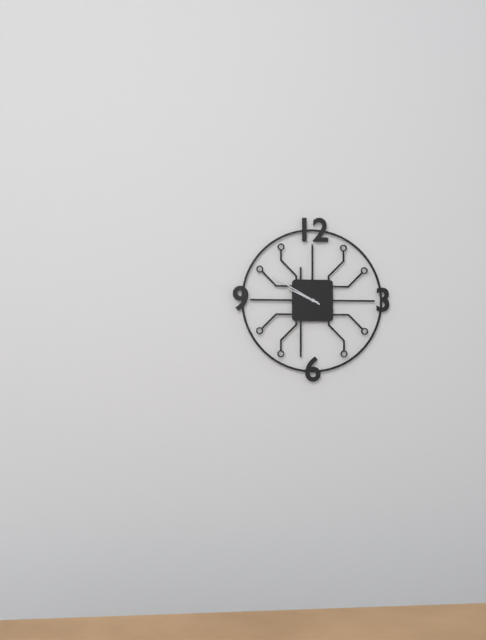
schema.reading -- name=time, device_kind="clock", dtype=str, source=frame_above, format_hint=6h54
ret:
9h50
